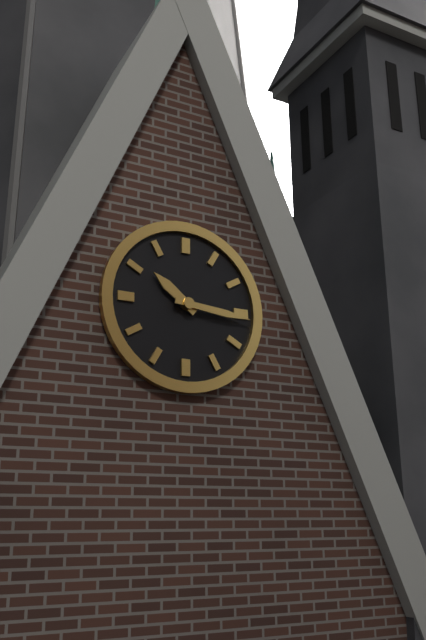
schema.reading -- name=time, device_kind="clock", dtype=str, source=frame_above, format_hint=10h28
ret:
10h16
